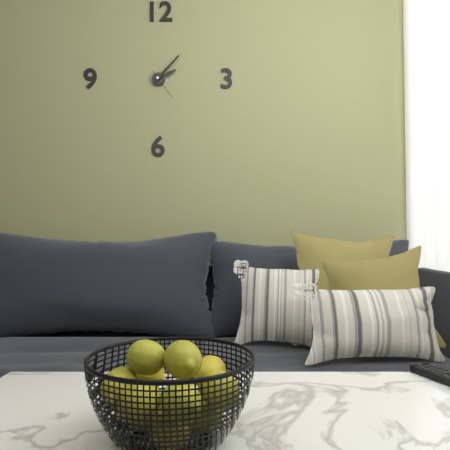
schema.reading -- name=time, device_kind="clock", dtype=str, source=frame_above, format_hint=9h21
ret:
2h07
